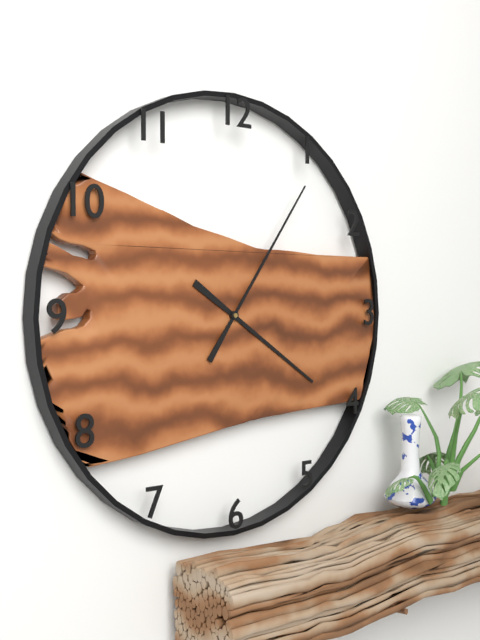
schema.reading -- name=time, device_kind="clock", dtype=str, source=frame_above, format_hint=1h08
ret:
4h06
